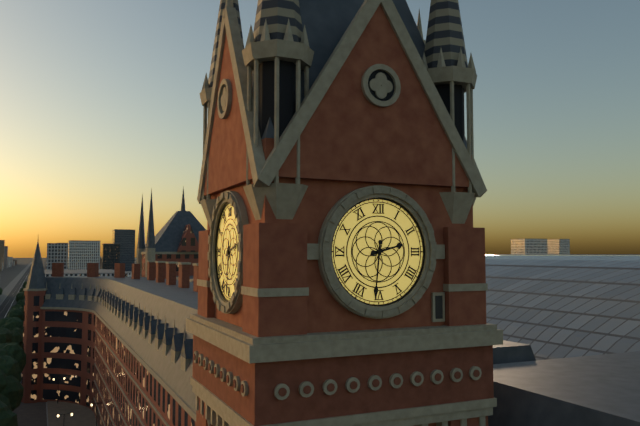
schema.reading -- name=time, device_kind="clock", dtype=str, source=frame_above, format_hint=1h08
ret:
2h31
